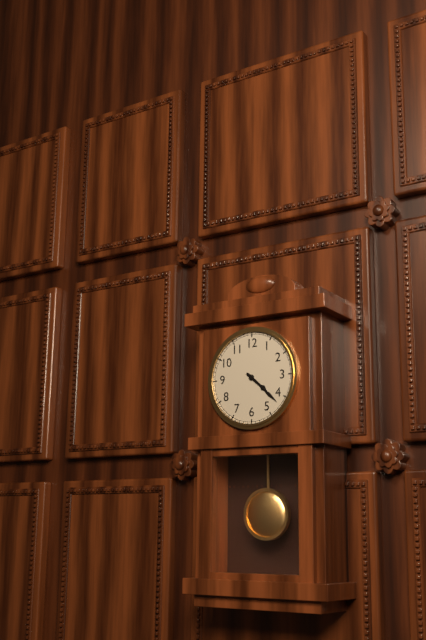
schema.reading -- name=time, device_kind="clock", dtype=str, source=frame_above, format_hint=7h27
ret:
4h22
